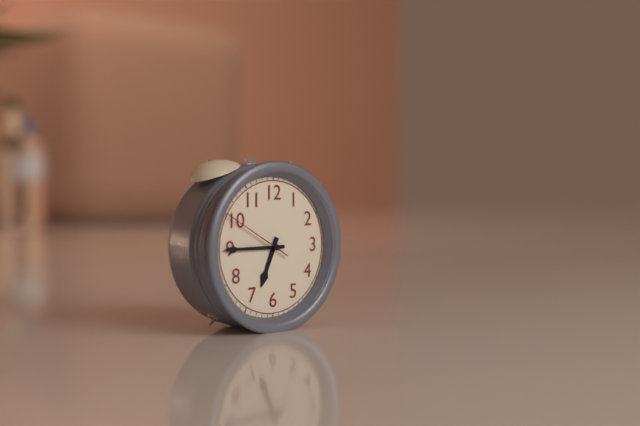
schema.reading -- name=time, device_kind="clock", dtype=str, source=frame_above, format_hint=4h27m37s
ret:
6h45m50s
